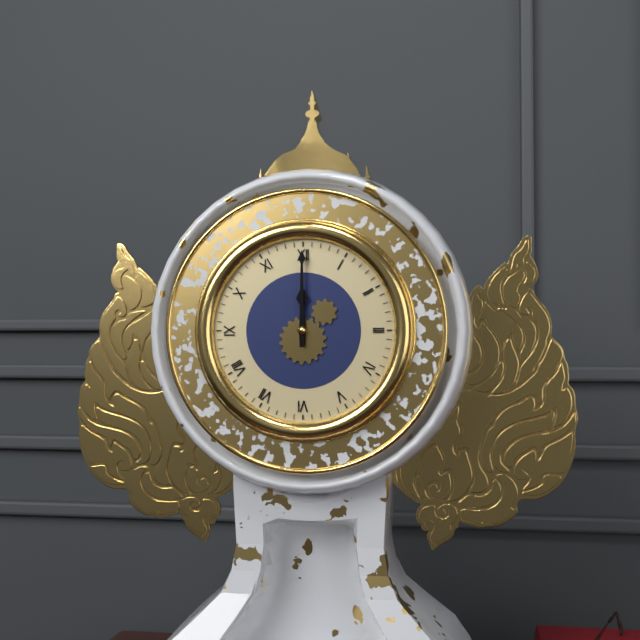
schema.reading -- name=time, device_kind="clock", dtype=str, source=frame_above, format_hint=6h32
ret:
12h00
